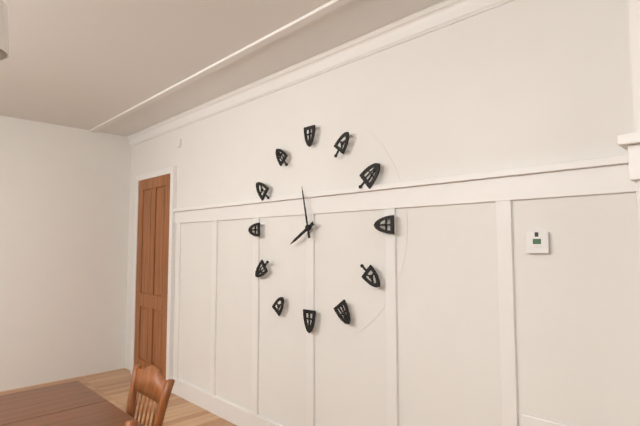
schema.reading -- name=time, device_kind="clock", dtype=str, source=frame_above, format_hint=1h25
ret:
7h58
